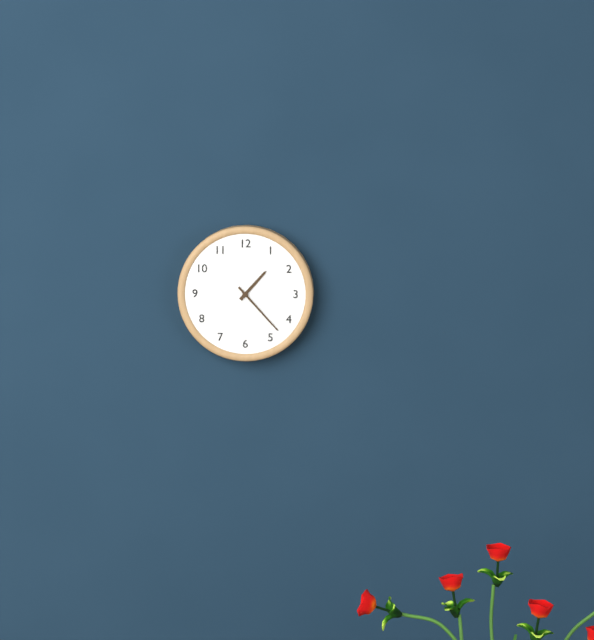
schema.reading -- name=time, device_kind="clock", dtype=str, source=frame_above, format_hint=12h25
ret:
1h23
